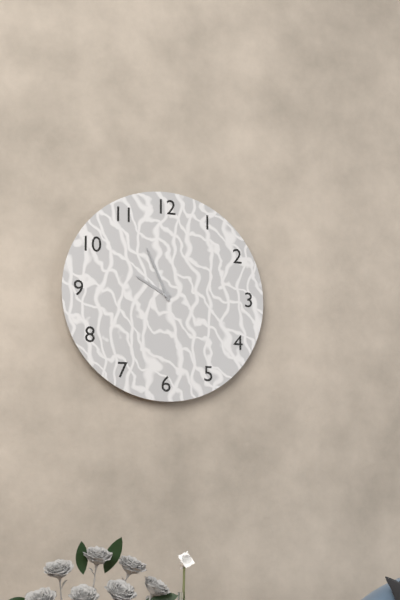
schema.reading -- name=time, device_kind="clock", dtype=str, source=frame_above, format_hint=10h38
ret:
9h56
